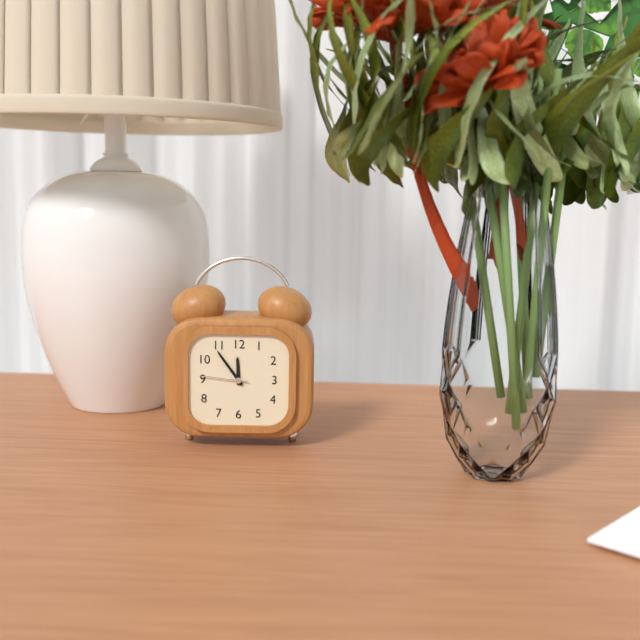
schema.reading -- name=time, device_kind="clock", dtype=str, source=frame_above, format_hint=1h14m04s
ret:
11h54m46s
